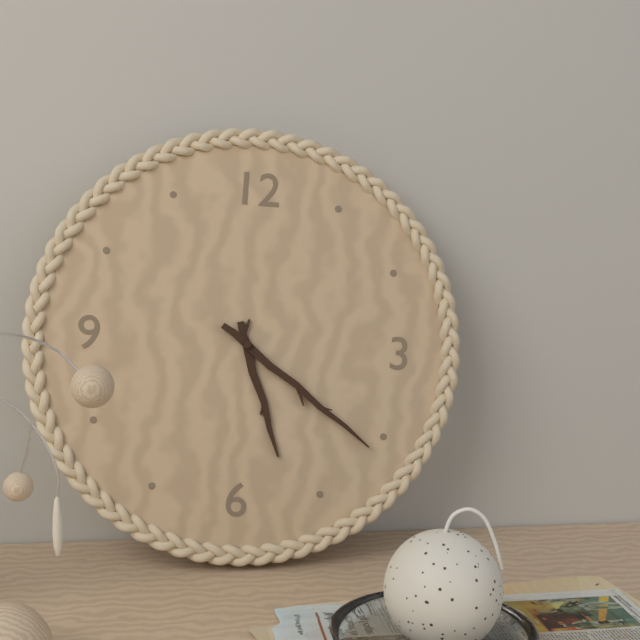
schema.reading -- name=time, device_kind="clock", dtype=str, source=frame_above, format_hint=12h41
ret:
5h21
